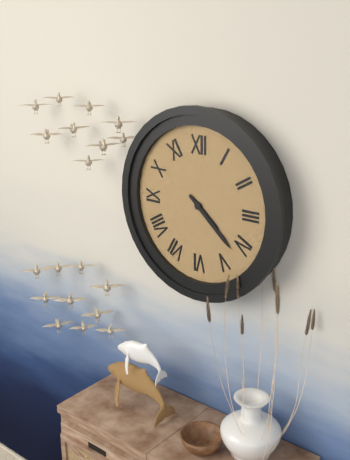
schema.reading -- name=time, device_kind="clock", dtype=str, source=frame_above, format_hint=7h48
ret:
4h22
